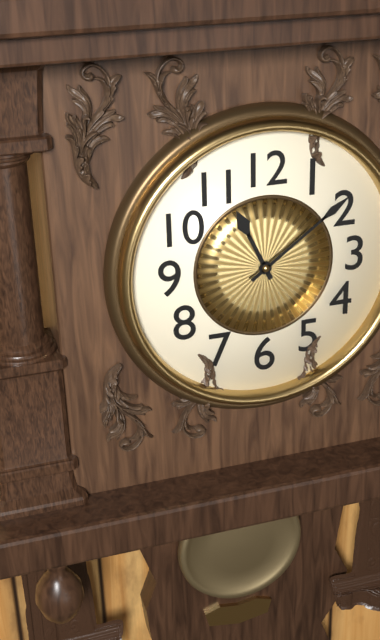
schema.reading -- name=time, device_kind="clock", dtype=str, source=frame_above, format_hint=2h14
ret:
11h09
